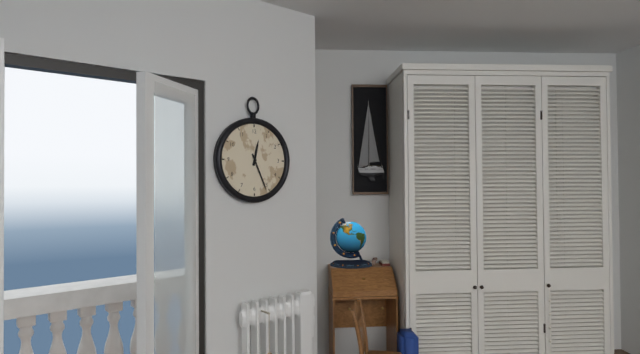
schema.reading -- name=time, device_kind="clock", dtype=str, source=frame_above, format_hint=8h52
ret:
12h26
